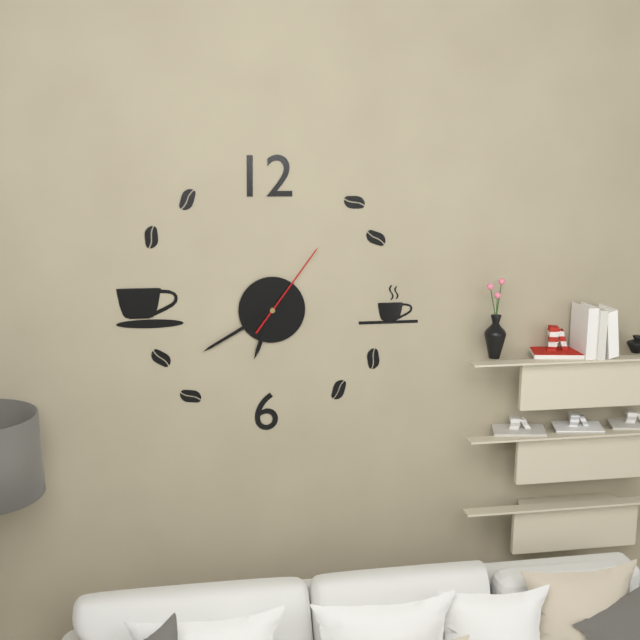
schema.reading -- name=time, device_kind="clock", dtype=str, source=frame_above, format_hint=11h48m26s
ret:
6h40m06s
